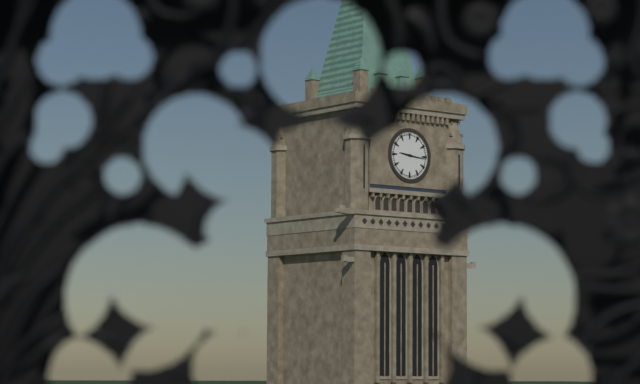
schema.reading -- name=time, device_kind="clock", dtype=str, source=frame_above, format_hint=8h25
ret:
9h16
